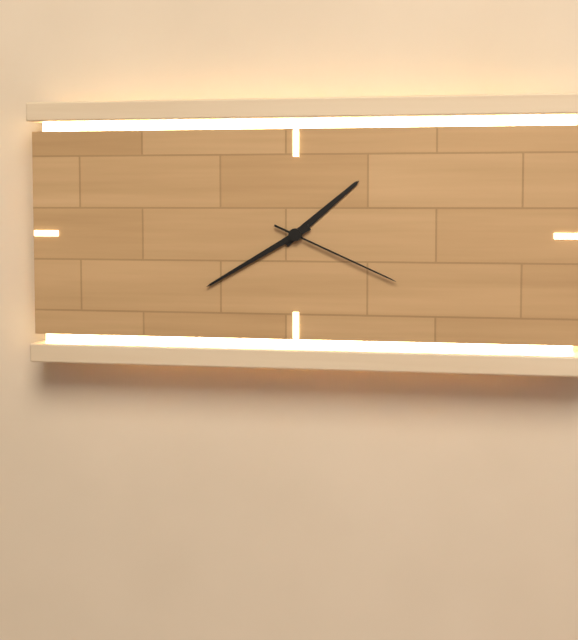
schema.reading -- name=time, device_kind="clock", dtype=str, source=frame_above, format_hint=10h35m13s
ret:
1h40m19s
